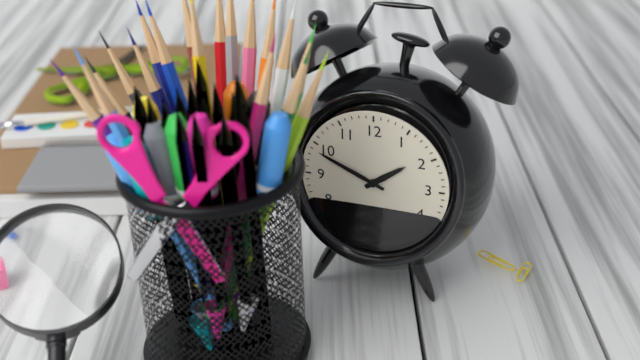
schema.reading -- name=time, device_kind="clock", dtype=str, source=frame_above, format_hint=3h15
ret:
1h49
